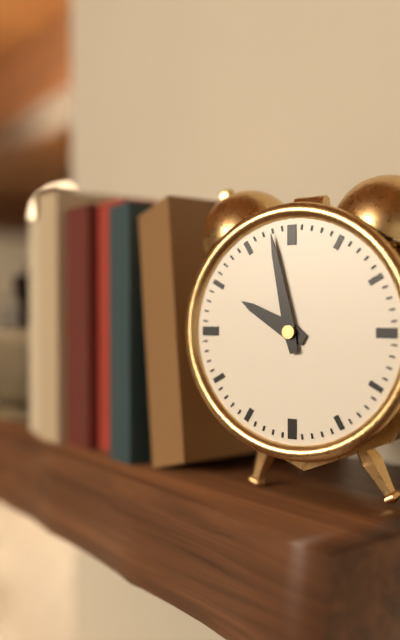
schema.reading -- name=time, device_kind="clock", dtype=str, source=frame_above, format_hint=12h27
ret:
9h58
